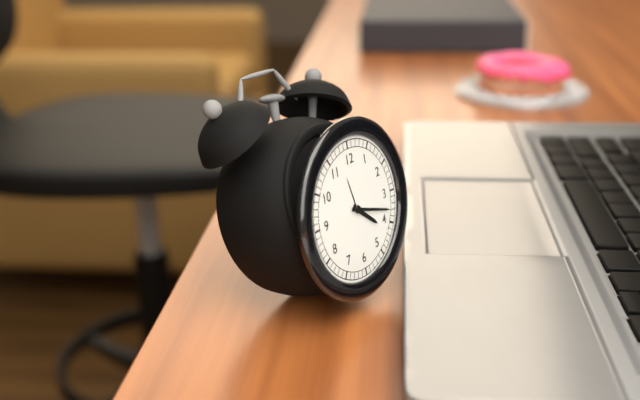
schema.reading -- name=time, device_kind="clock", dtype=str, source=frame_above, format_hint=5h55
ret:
4h18
